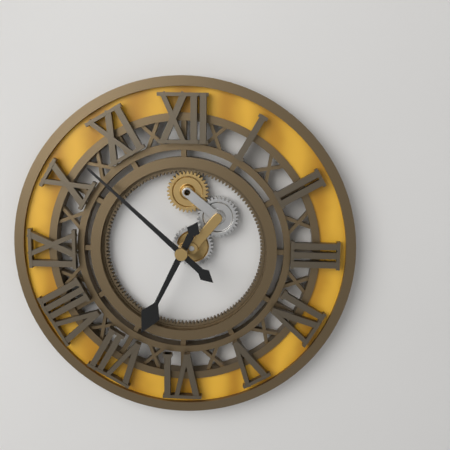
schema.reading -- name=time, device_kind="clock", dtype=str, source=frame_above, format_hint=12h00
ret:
6h52
